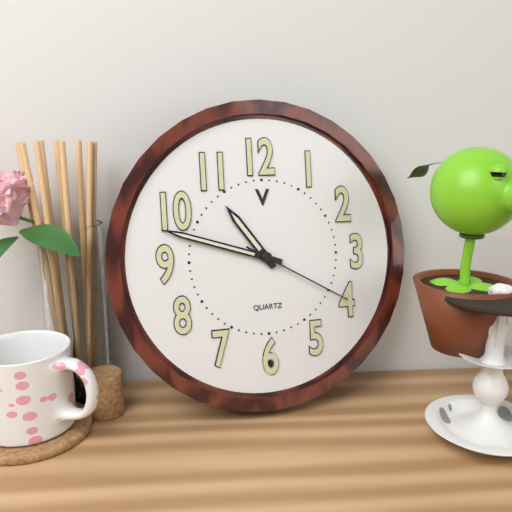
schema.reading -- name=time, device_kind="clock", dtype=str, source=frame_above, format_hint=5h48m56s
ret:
10h48m20s
